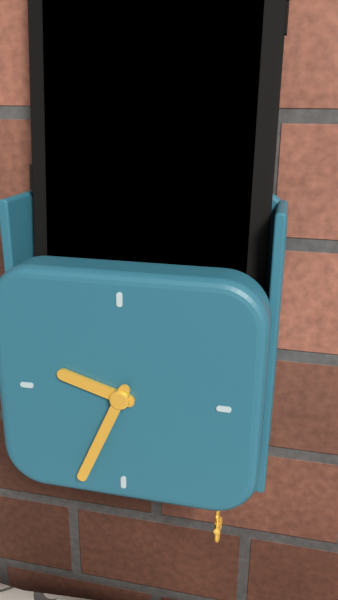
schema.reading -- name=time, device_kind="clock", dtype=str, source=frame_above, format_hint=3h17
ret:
9h34
